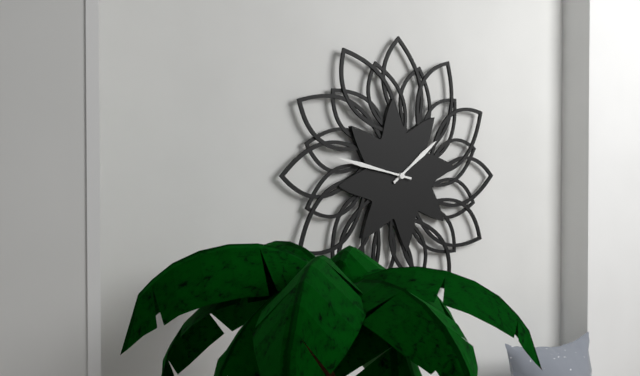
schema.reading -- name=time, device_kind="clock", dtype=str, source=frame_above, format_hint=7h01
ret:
1h47
